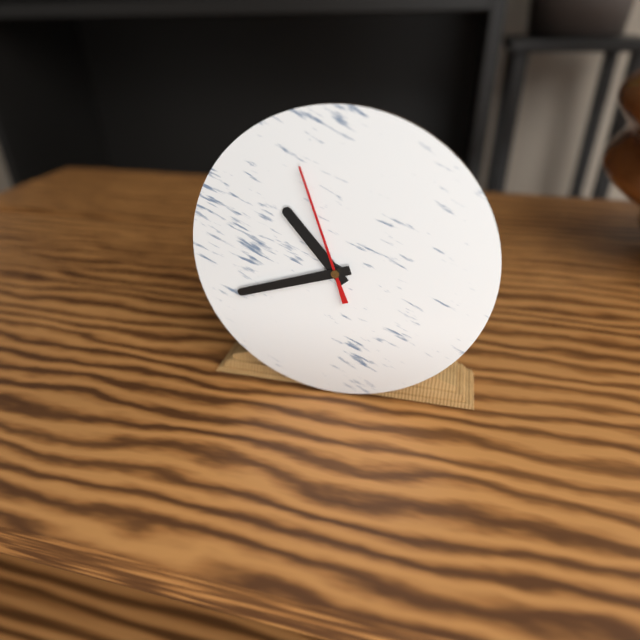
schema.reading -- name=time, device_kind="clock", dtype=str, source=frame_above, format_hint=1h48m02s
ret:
10h42m57s
